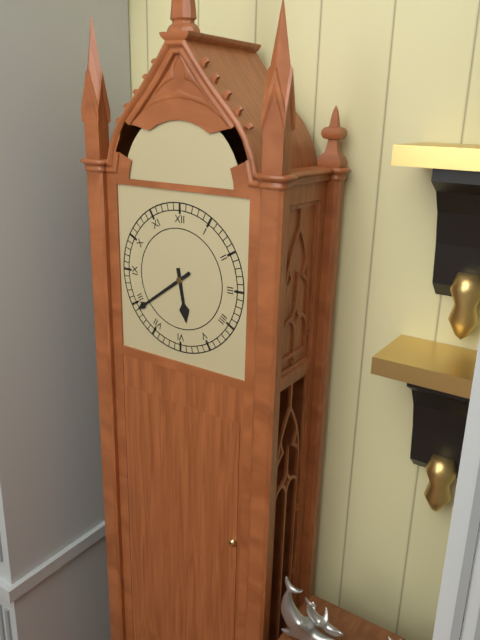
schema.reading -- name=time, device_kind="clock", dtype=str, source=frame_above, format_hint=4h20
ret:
5h39
